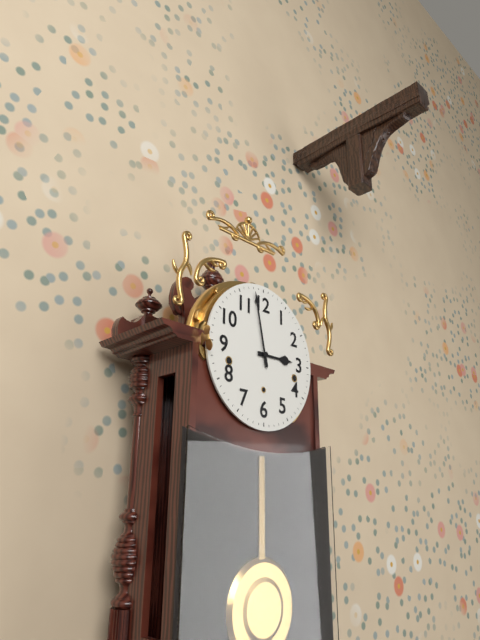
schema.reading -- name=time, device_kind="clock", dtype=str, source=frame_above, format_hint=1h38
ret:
2h58
